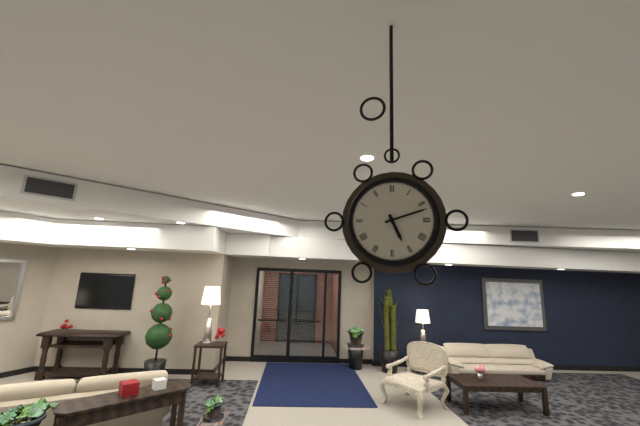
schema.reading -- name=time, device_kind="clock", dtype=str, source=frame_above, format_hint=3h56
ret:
5h12
